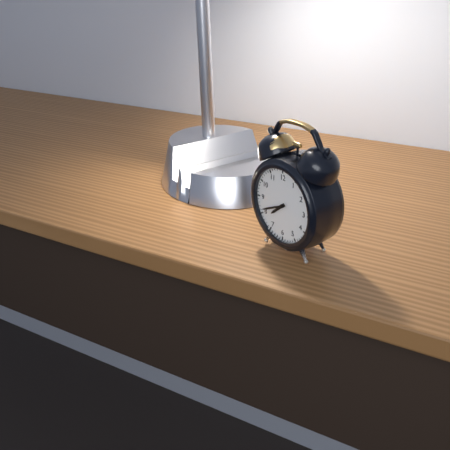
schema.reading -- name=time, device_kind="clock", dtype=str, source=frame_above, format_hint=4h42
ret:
7h41
